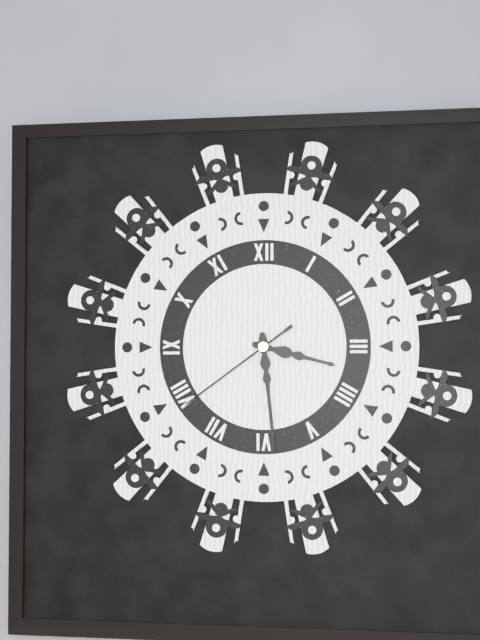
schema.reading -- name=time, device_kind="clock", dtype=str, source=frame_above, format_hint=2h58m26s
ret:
3h29m39s
